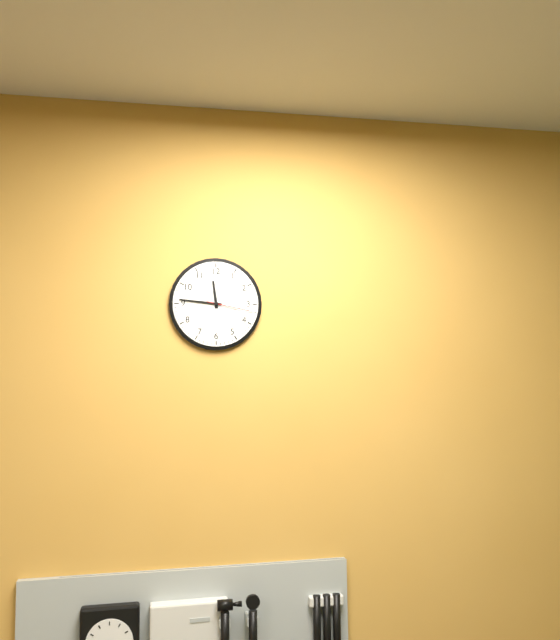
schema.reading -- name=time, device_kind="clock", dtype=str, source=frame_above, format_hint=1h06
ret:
11h46
